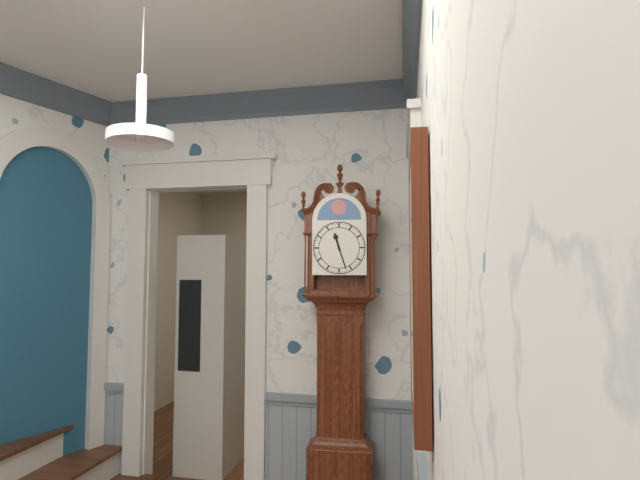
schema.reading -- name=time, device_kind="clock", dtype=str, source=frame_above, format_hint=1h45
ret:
11h27
